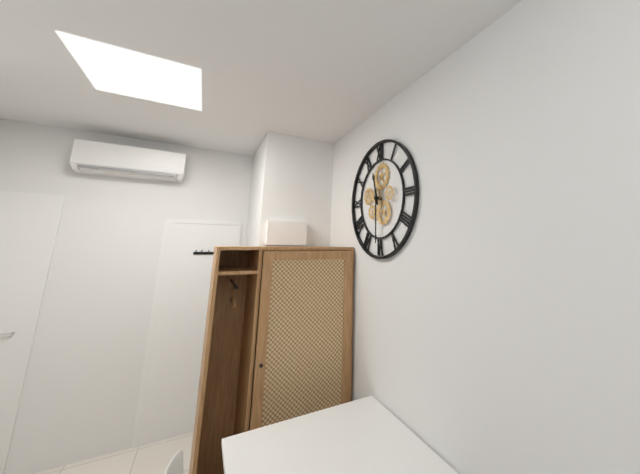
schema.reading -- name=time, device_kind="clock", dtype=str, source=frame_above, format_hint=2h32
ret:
11h30
